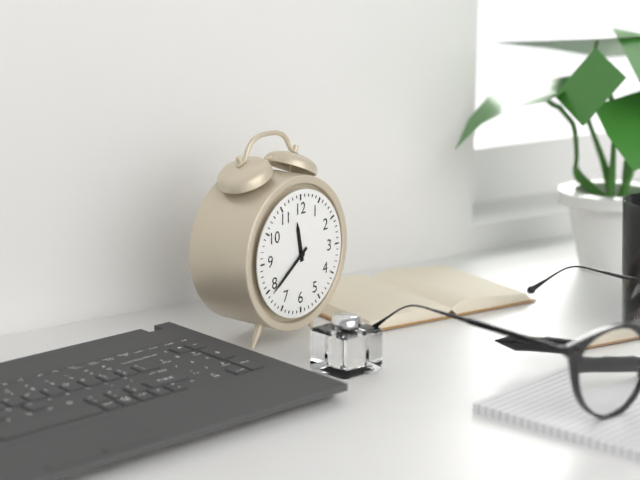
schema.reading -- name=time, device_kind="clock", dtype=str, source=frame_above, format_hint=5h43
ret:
11h39
